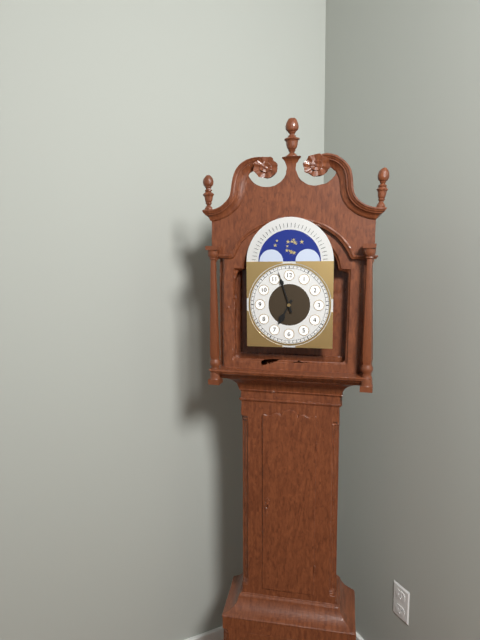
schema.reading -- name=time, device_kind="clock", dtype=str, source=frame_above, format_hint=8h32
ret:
6h57
